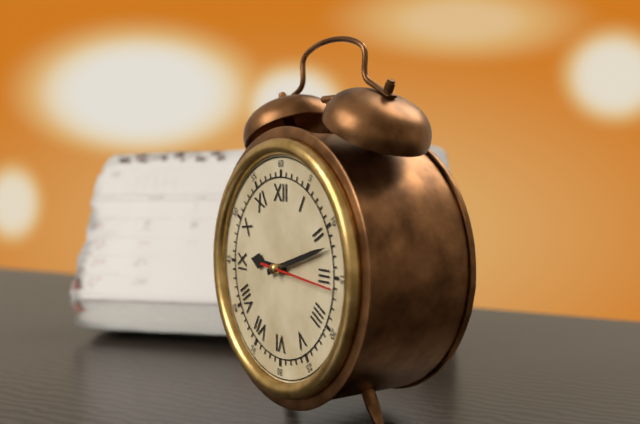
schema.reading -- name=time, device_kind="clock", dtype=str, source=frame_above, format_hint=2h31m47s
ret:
9h12m16s
